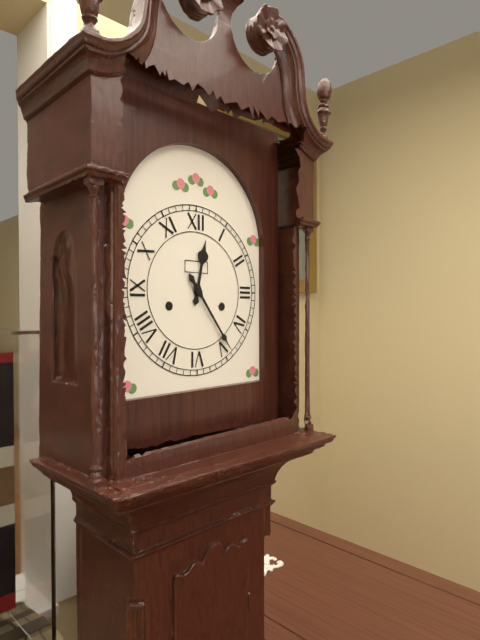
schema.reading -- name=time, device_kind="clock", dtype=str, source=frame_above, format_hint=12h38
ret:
12h24
